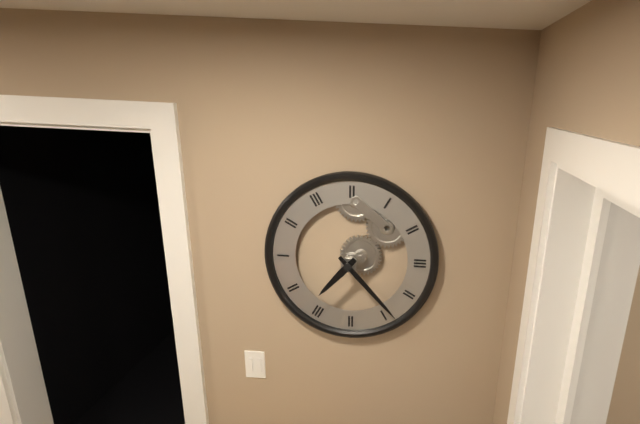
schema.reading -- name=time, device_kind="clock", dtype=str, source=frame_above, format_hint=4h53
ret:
7h23
